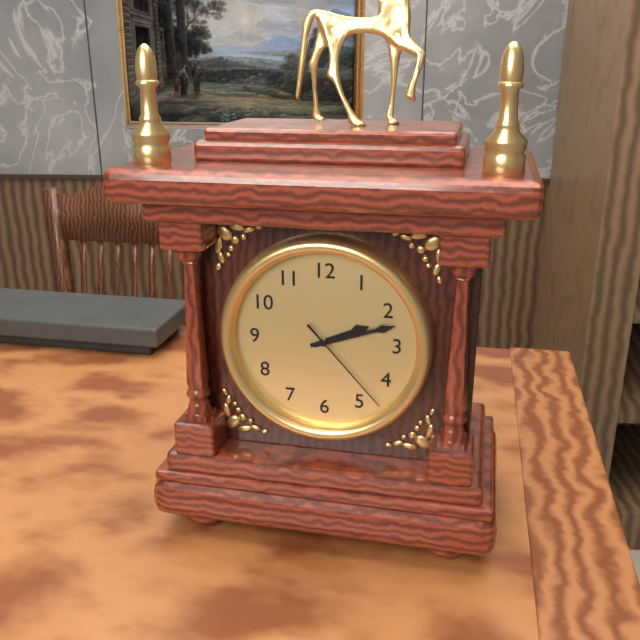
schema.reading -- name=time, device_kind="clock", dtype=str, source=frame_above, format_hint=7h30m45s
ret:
2h12m23s
